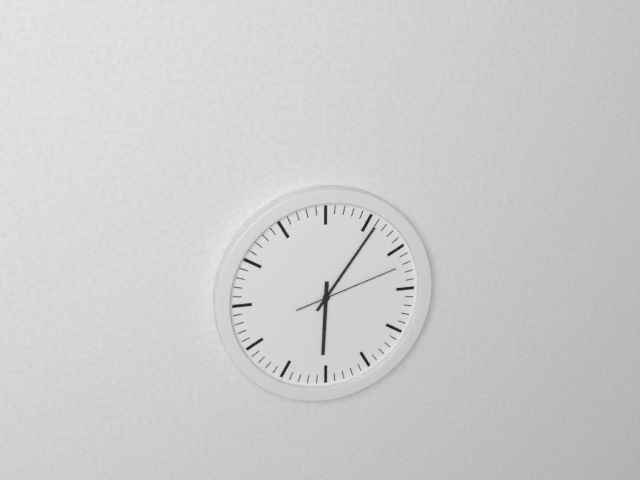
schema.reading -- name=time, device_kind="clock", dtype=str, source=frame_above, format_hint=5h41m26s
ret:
6h06m12s
